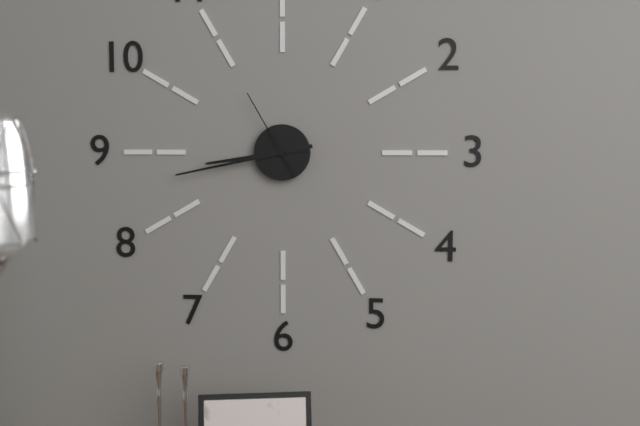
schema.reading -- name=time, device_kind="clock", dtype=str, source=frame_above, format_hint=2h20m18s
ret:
8h43m55s
